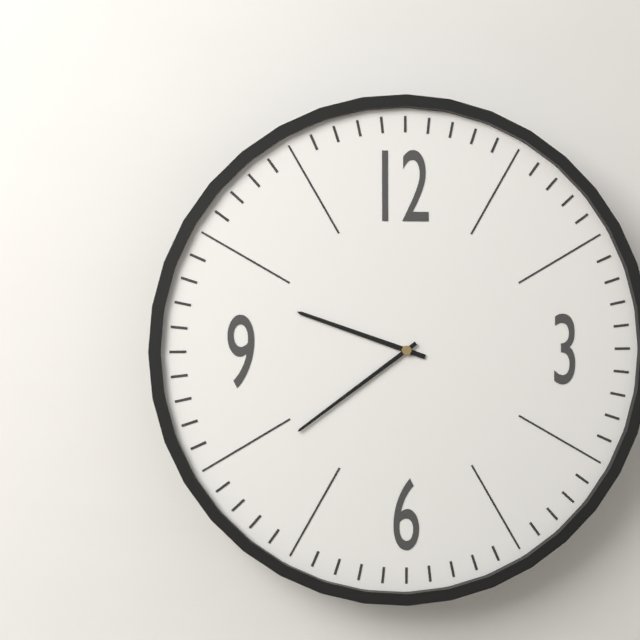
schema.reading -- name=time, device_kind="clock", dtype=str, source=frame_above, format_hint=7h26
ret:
9h39
